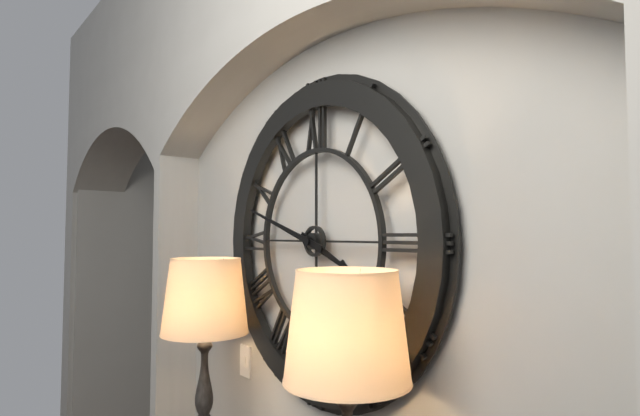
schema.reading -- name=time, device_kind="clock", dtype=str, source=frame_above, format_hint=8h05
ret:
3h48
